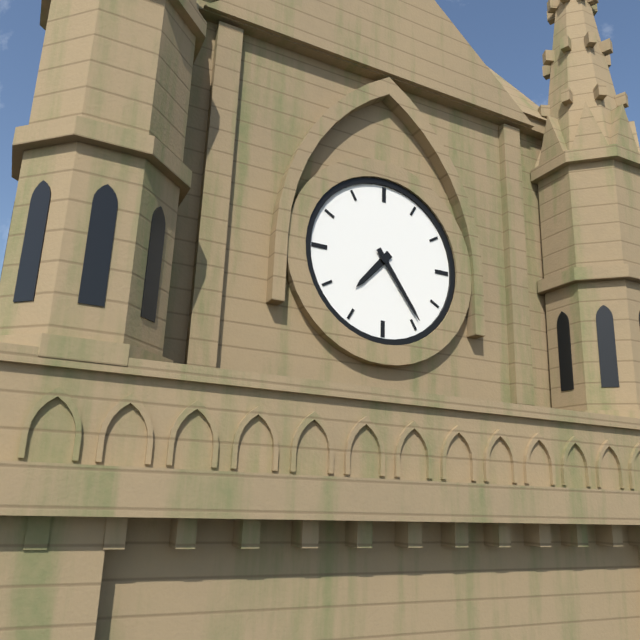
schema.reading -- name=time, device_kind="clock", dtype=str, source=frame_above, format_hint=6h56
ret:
7h24
